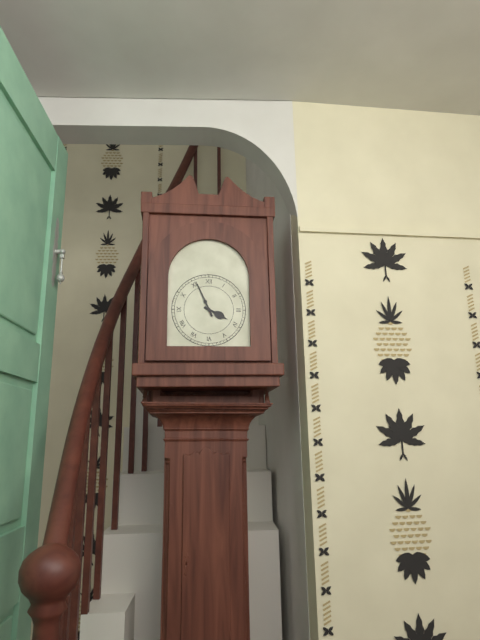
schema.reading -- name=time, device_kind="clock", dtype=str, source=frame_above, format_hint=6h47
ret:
3h56
